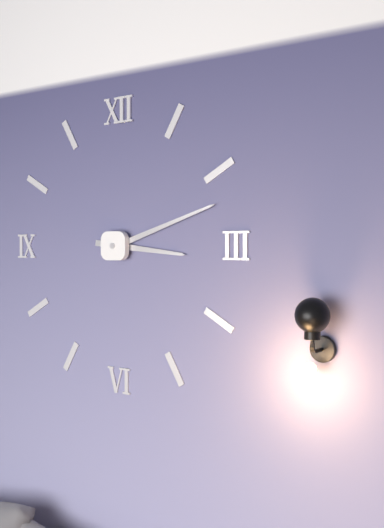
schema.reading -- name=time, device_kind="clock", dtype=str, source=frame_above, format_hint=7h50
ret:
3h12
